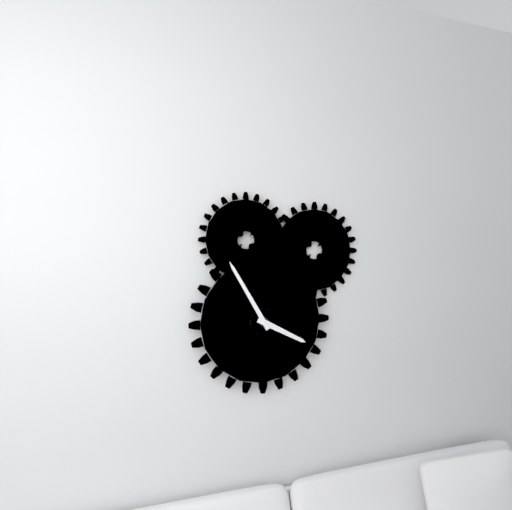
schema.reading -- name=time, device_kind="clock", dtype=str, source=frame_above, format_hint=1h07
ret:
3h55
